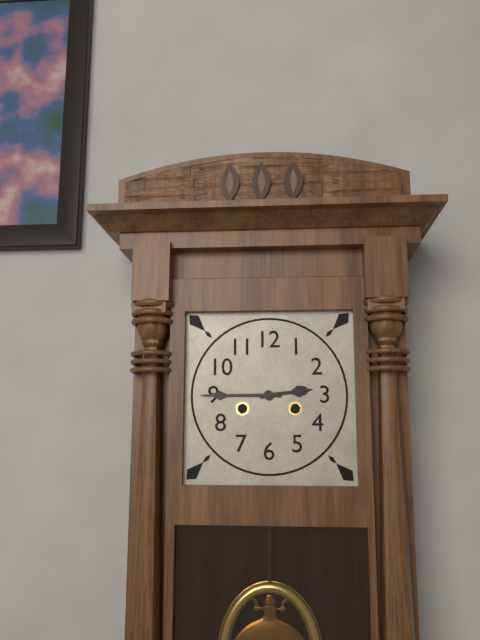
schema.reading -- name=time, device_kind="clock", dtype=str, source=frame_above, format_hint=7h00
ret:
2h45
